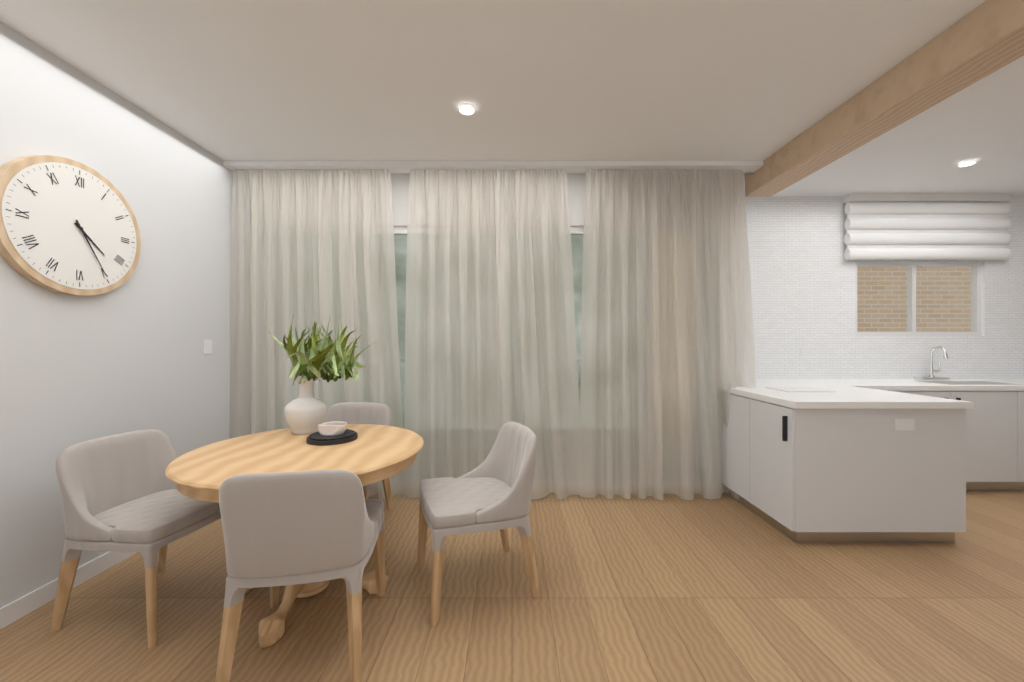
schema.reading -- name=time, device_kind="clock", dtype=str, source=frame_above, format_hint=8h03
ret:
4h25
